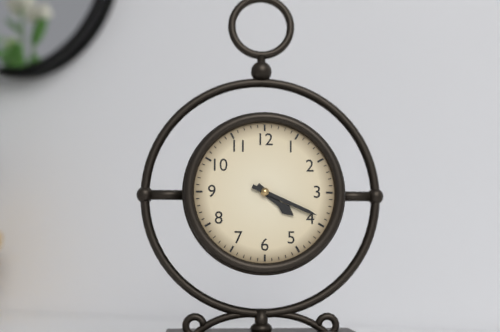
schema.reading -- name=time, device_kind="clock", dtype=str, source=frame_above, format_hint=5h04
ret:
4h19
